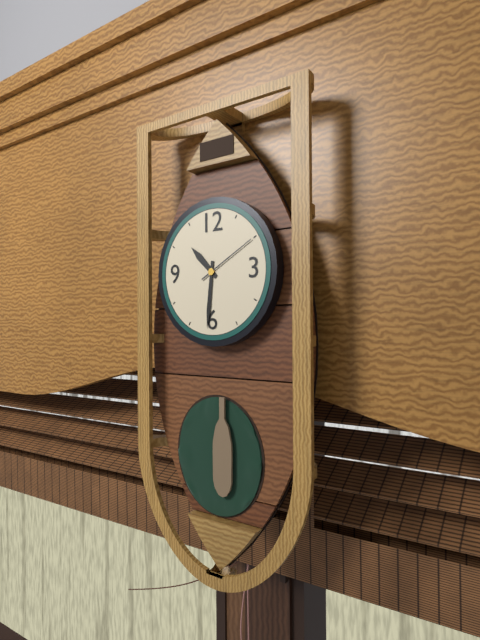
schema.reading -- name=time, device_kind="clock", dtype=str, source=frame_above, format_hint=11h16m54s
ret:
10h31m10s
